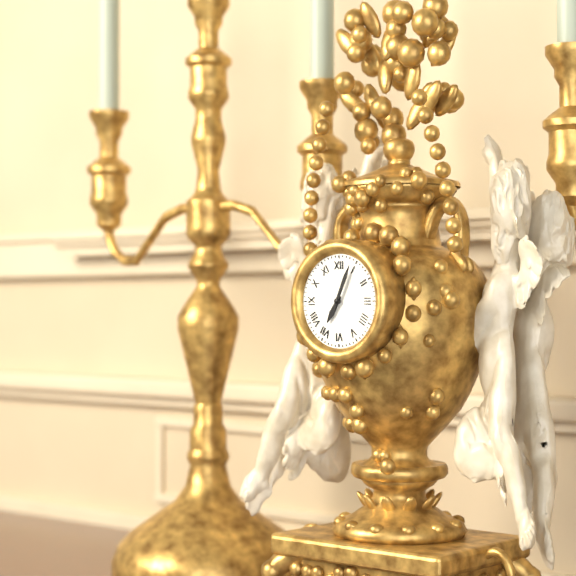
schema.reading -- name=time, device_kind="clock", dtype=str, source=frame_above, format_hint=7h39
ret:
7h04
